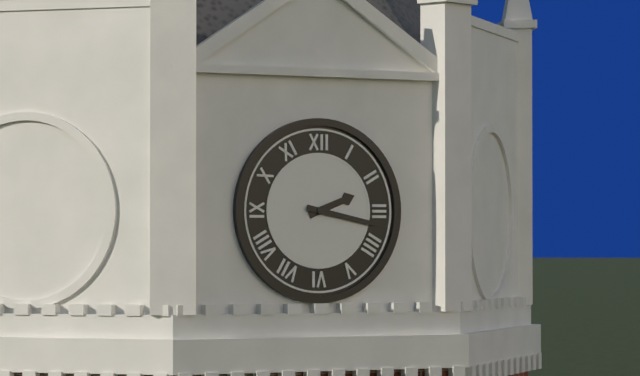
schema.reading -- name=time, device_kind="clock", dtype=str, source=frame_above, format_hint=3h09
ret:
2h17
